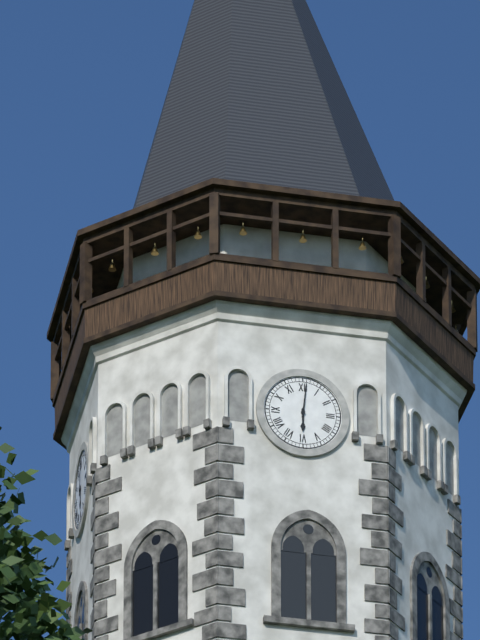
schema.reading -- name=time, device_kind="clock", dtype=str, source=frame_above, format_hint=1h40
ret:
6h01
